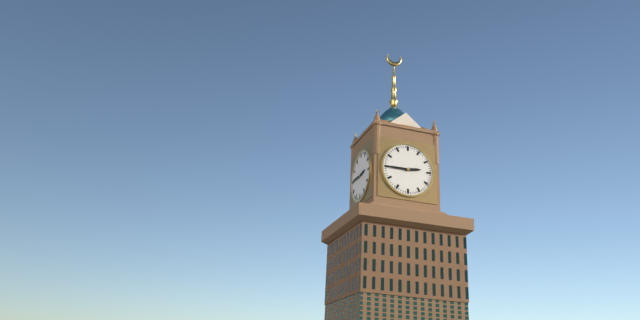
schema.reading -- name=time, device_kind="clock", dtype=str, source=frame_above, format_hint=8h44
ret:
2h45
